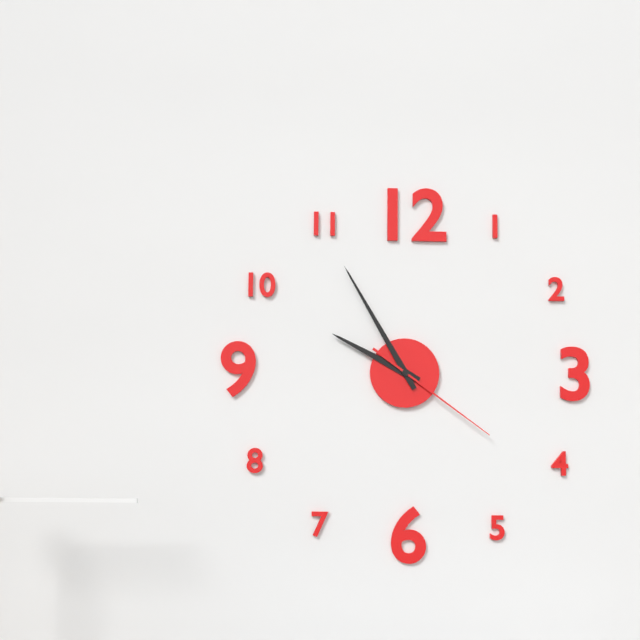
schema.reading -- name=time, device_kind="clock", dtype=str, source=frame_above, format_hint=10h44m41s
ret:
9h55m21s
